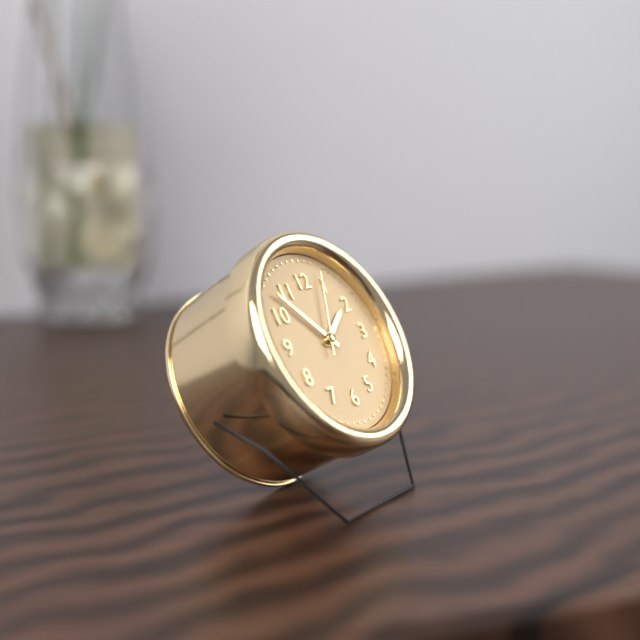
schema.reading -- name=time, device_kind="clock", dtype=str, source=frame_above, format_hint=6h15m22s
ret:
1h53m04s
